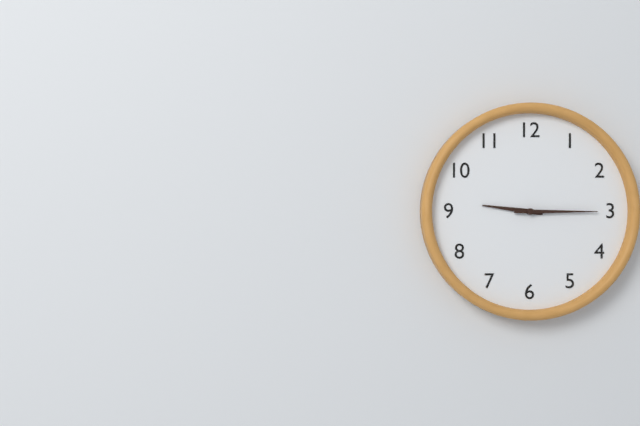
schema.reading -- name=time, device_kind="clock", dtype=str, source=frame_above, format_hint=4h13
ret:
9h15
